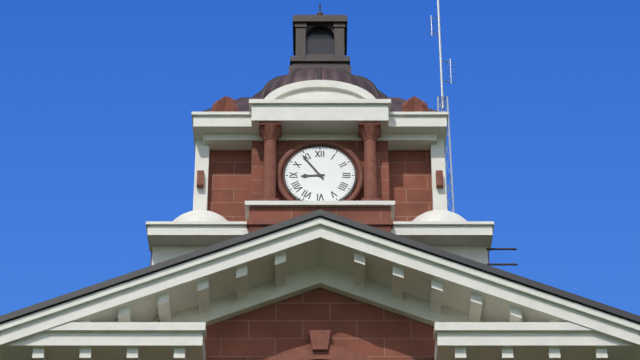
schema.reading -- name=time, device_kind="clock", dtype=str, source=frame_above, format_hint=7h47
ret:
8h54
